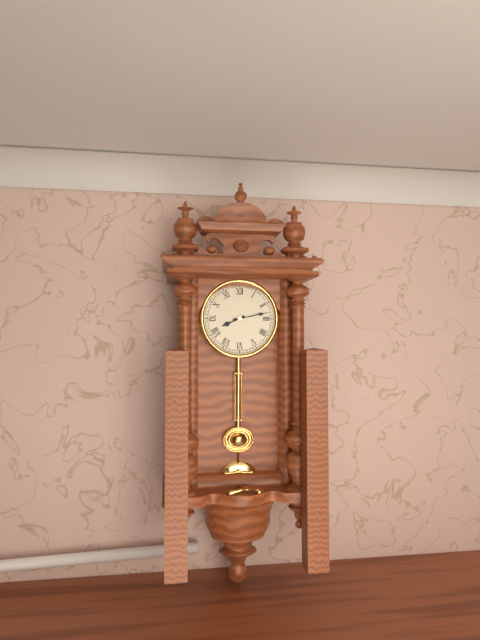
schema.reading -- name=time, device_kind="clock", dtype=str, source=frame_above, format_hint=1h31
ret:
8h13
